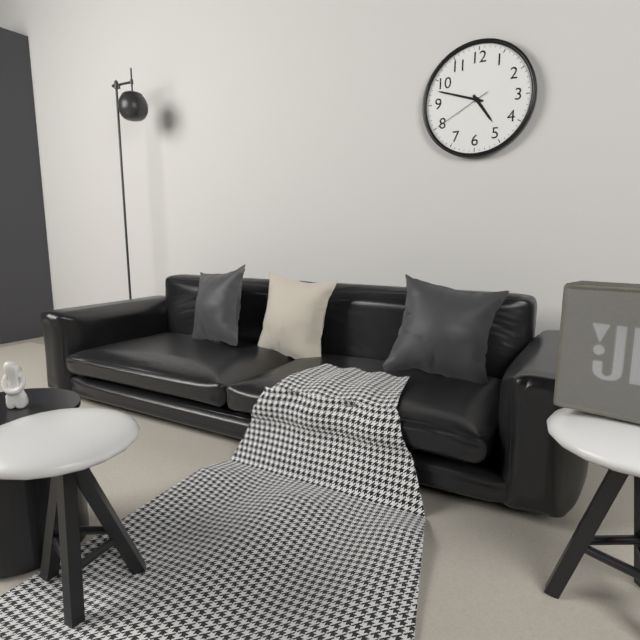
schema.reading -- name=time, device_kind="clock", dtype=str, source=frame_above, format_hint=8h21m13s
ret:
4h48m40s
